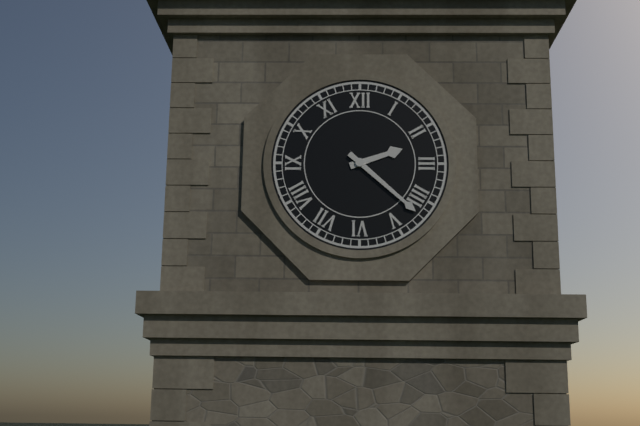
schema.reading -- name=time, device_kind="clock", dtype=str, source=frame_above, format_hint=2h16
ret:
2h22
